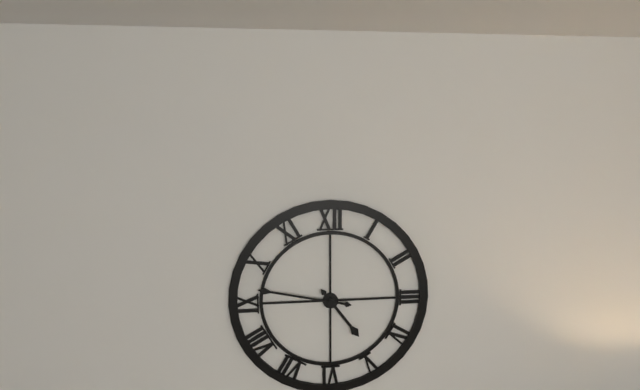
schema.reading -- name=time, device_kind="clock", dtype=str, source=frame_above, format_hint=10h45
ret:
4h47
